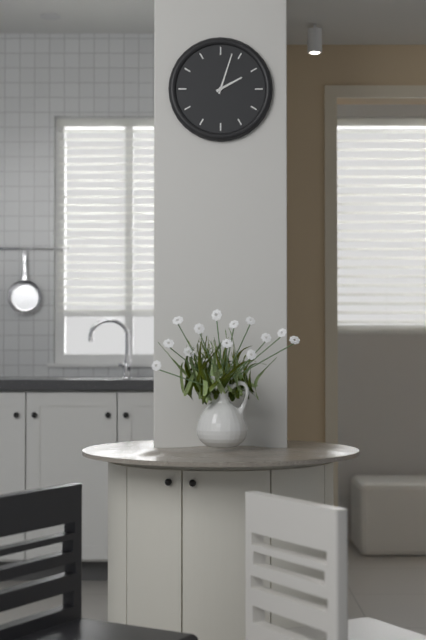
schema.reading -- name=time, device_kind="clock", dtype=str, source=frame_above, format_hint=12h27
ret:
2h03
